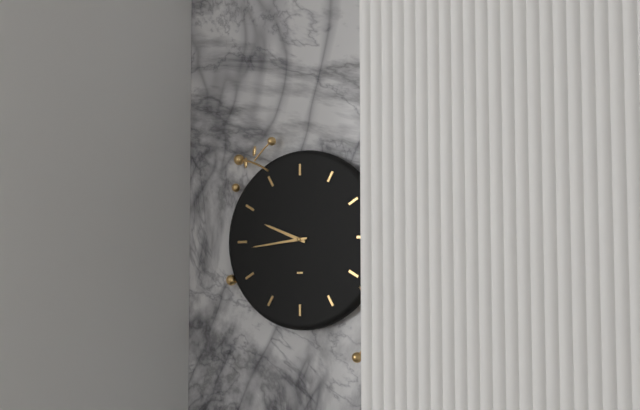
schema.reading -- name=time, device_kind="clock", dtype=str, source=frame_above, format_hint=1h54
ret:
9h44
